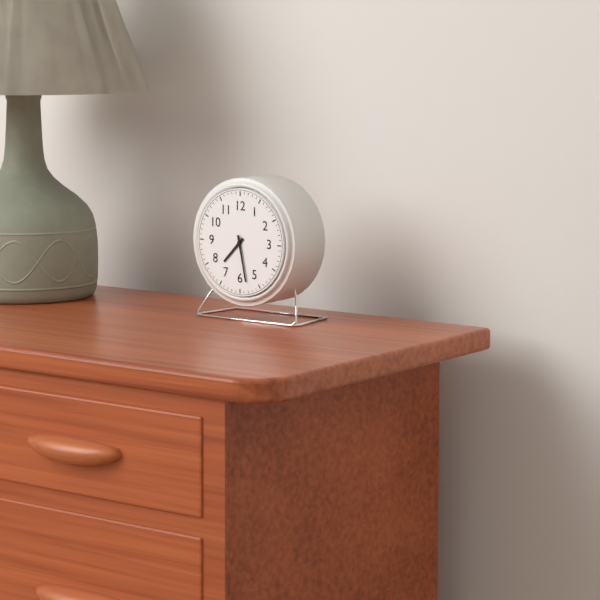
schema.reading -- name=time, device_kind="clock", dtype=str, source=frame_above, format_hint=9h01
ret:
7h28
